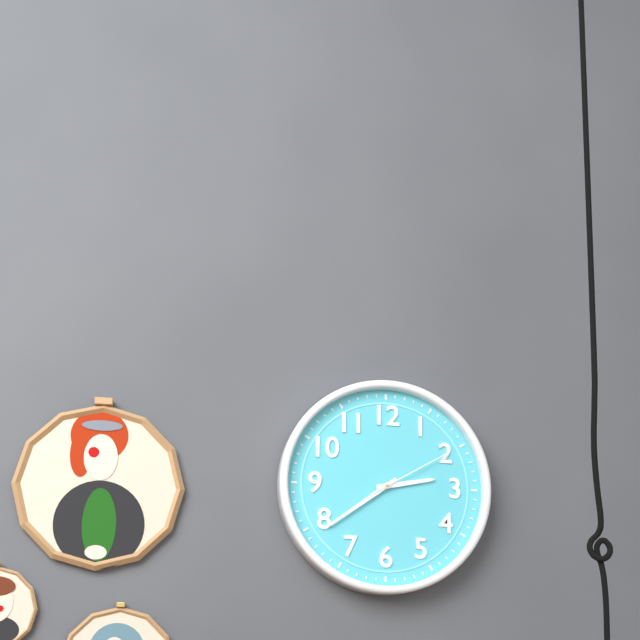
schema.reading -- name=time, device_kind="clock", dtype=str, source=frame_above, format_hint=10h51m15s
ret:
2h39m10s
